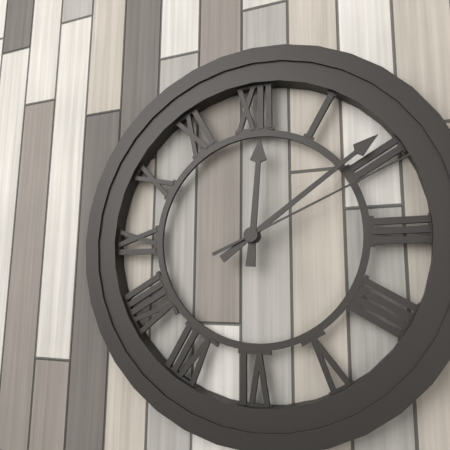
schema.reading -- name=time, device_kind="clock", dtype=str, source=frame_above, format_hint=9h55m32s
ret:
12h09m11s
